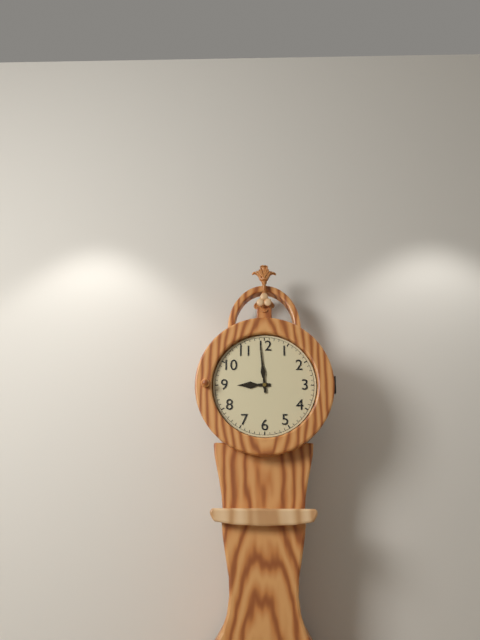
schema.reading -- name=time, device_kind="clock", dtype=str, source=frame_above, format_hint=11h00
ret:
8h59
